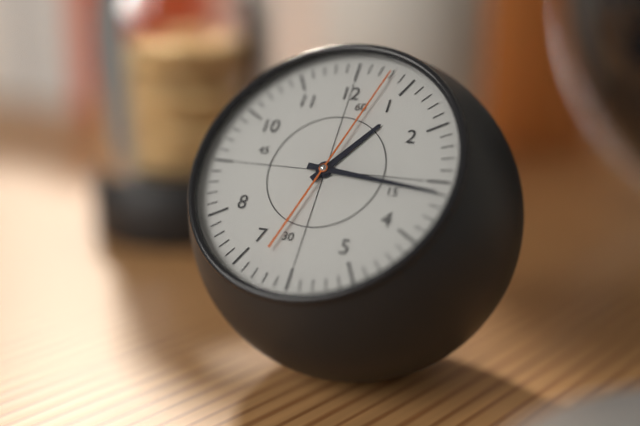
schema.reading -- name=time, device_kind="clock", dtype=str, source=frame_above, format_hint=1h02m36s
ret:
1h16m03s
